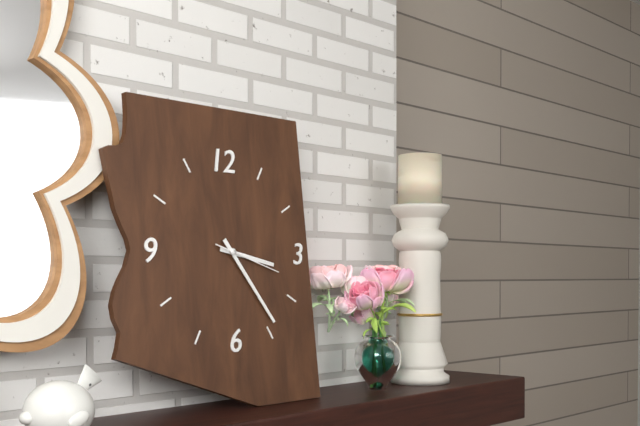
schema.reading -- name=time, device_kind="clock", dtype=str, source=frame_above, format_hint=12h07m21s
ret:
3h24m18s
